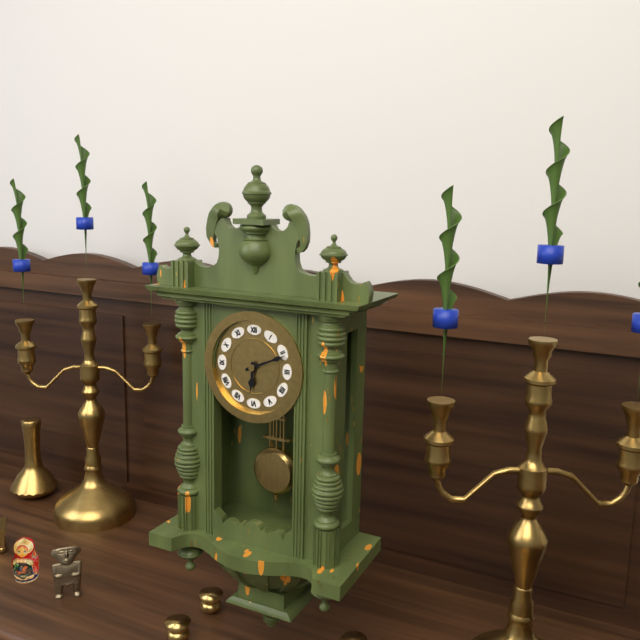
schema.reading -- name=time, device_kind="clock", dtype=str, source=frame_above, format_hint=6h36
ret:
6h11
